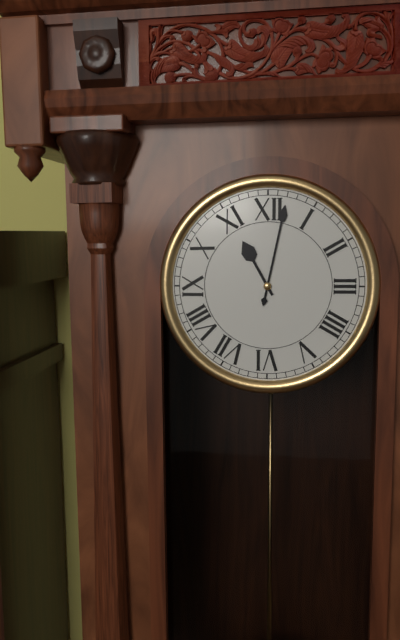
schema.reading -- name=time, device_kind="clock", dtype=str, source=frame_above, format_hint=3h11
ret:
11h02
